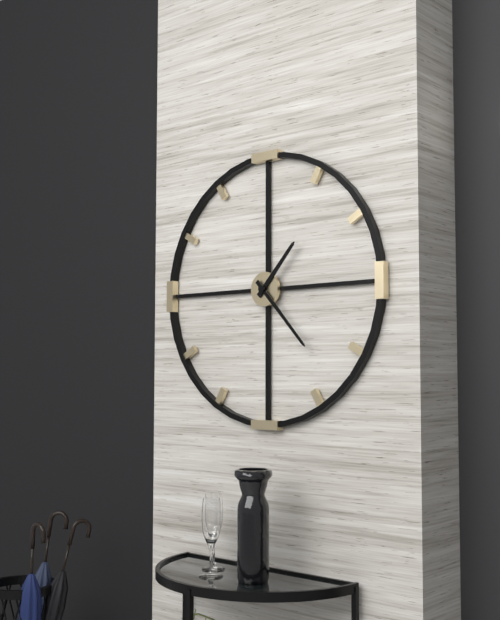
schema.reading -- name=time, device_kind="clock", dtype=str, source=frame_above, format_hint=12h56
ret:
1h23
